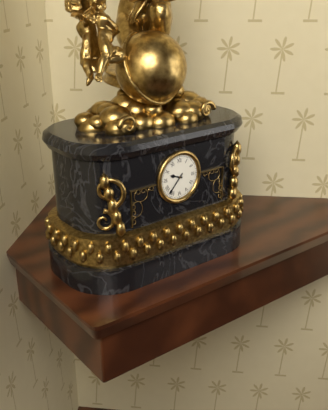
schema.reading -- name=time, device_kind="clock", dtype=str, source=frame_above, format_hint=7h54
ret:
9h37
